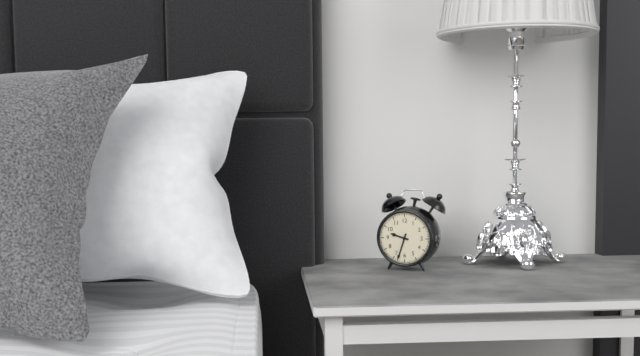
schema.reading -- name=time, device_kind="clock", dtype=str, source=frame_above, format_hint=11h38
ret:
9h33
